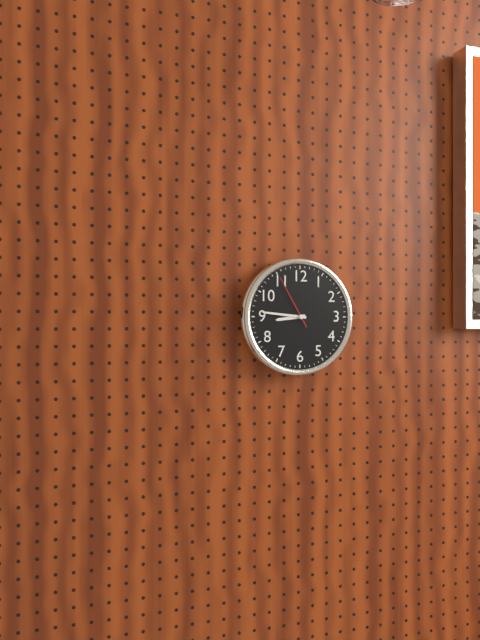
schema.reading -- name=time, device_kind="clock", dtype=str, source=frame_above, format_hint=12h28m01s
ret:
8h46m55s
